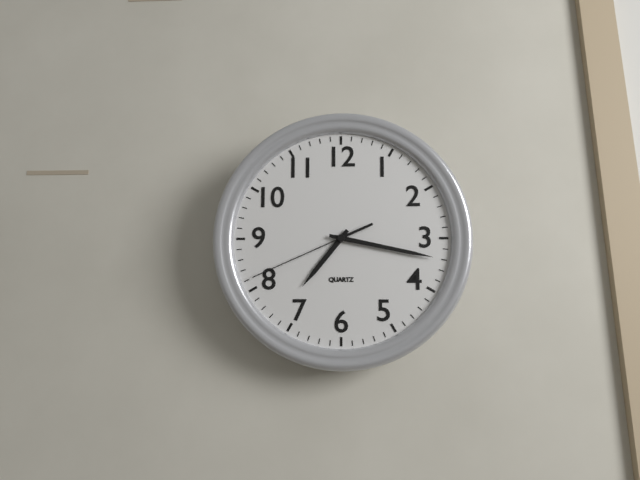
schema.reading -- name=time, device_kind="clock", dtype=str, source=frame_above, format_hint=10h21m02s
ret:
7h17m41s
